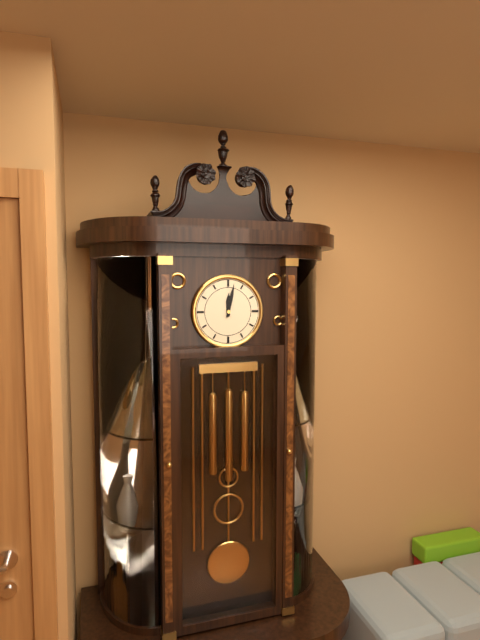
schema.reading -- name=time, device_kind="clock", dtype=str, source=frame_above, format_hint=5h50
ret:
12h02
